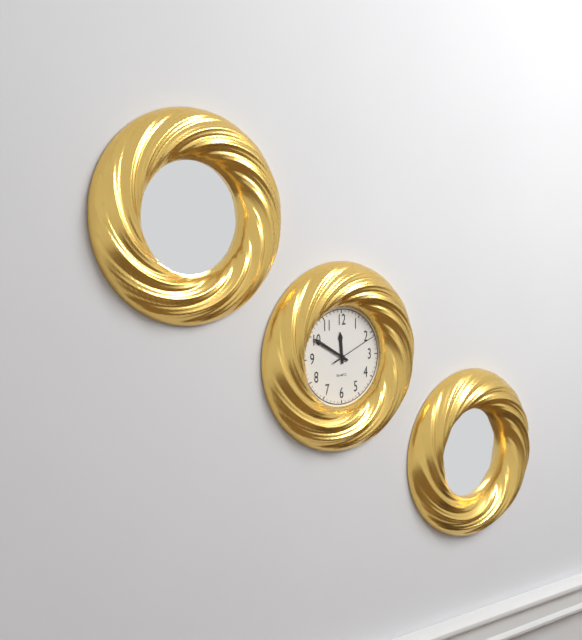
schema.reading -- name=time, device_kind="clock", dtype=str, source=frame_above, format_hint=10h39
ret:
11h50
